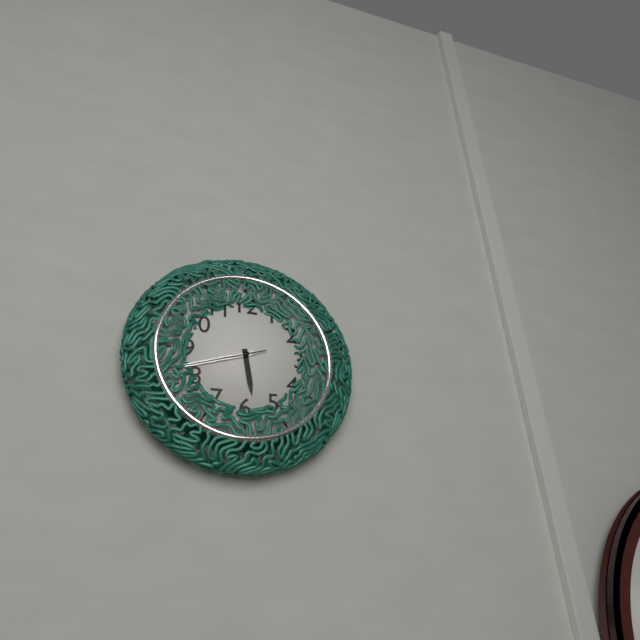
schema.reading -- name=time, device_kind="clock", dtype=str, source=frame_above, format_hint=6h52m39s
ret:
5h42m42s
